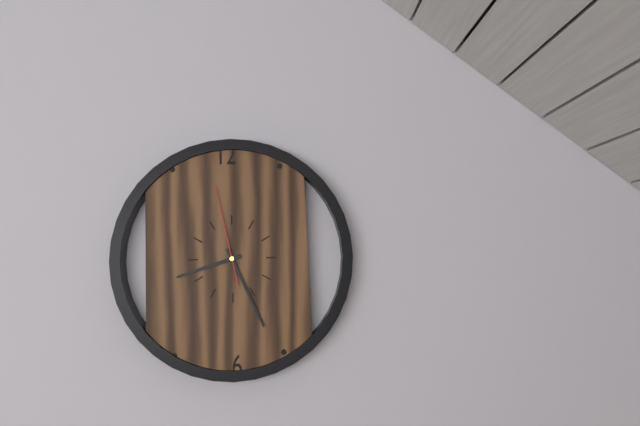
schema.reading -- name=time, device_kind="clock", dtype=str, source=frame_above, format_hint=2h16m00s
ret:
8h26m58s
